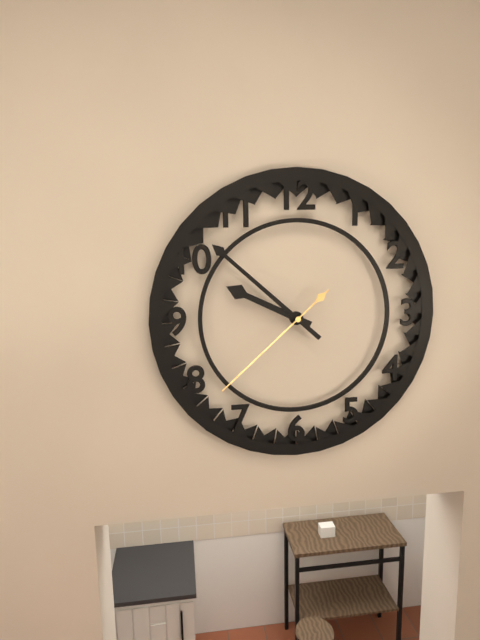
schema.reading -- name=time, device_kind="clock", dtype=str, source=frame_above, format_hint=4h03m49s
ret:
9h52m38s
